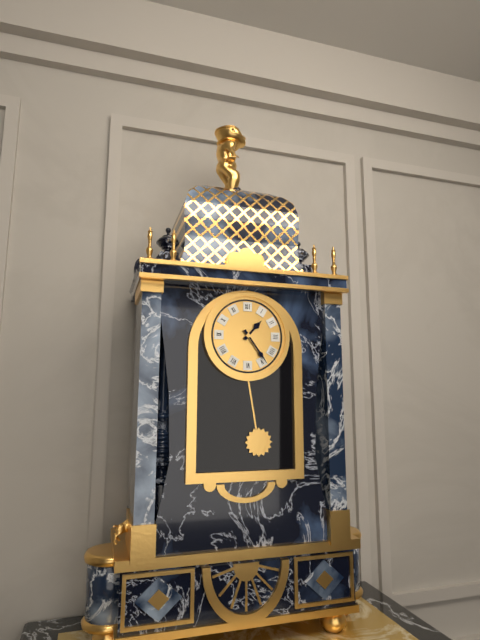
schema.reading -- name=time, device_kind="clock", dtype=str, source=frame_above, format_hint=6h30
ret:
1h24
